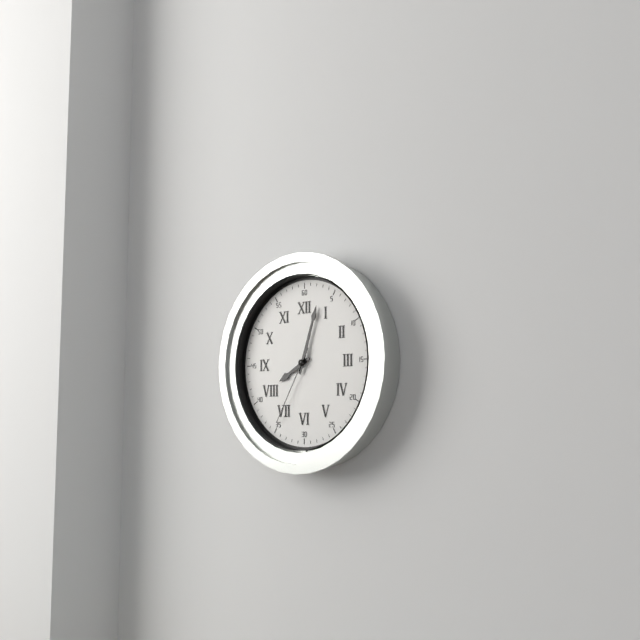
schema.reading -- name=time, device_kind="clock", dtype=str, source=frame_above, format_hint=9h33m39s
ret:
8h03m35s
